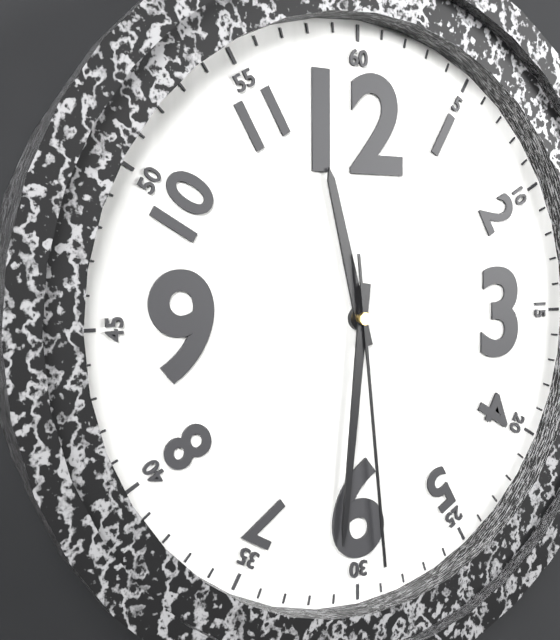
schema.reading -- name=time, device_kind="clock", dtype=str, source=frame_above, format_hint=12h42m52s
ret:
11h31m29s
